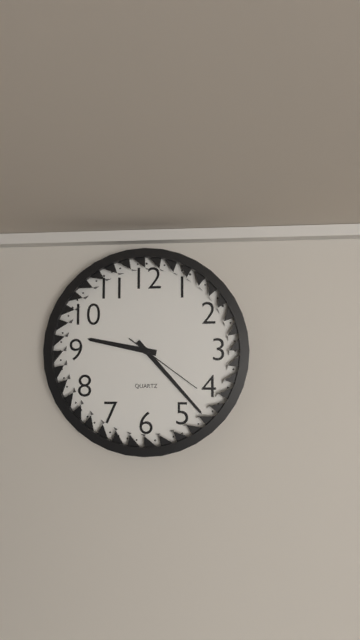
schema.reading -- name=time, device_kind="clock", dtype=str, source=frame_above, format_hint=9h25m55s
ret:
9h23m21s
